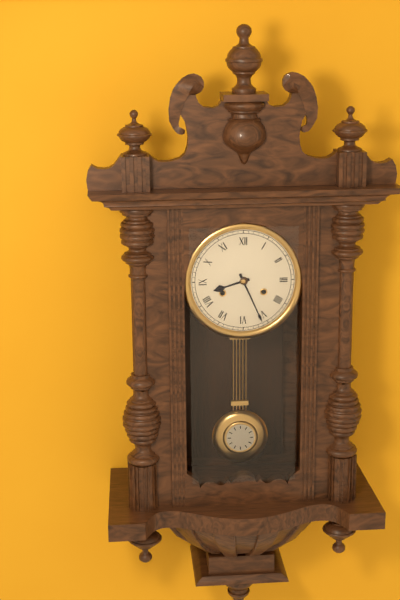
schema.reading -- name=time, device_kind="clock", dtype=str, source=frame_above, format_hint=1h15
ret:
8h26
